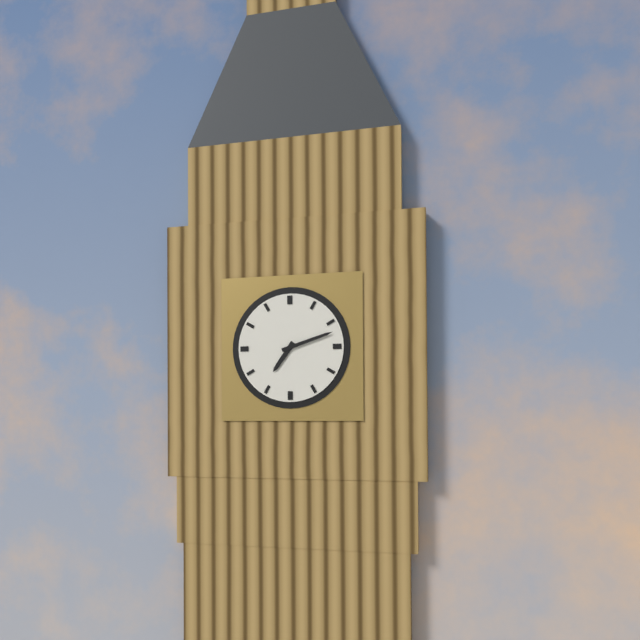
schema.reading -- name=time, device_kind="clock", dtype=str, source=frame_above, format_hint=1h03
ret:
7h12
